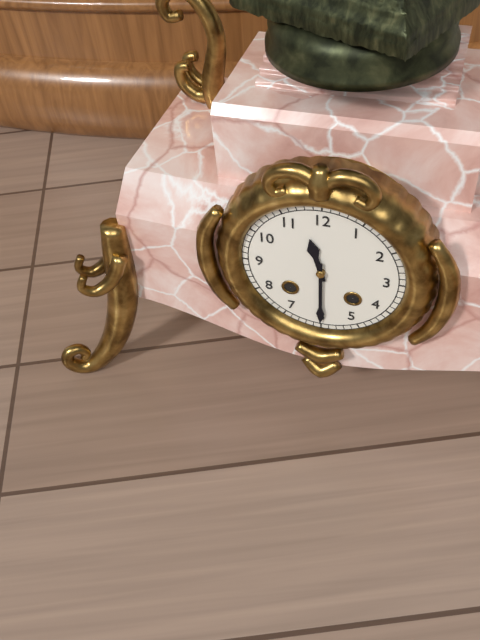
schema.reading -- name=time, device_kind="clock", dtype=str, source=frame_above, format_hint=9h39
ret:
11h30
